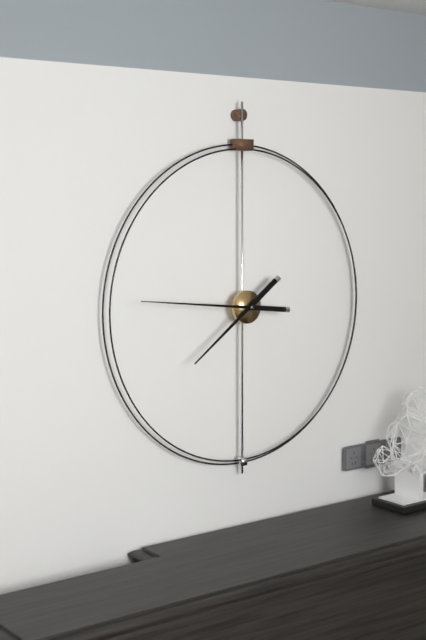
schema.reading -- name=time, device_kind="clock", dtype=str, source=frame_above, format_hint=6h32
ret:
7h46
